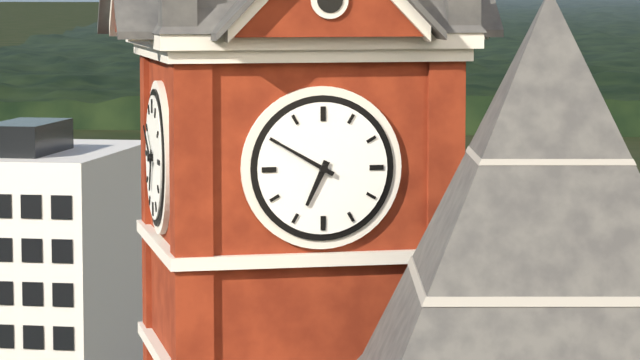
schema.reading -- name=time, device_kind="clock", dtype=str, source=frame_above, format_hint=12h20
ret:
6h50
